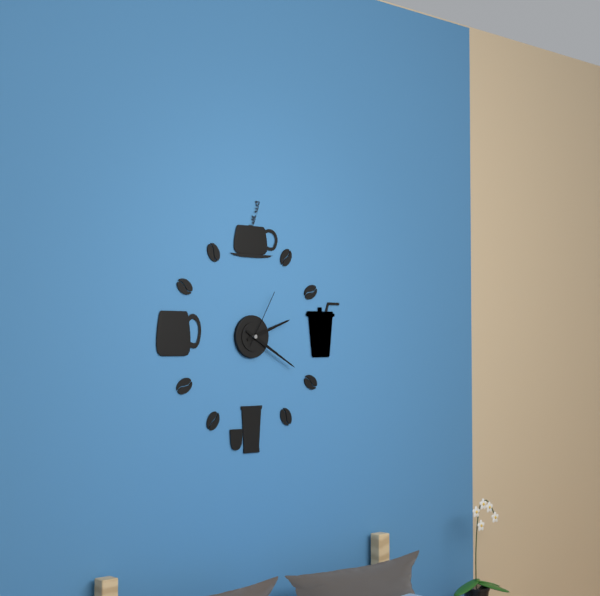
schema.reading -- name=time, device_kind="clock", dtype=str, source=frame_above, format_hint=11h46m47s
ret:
2h20m05s
